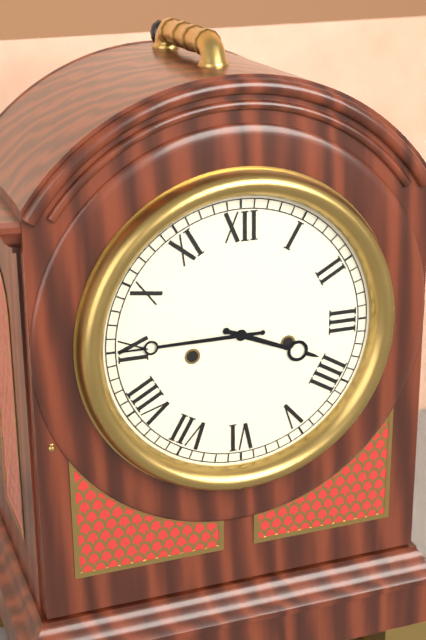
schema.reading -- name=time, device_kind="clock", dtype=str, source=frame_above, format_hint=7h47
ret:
3h45
